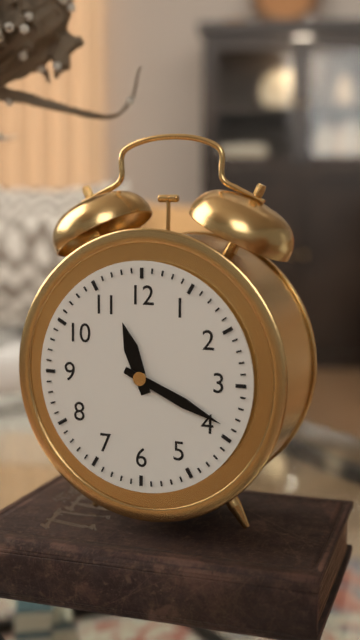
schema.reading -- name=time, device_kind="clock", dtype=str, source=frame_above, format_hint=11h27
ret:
11h19
